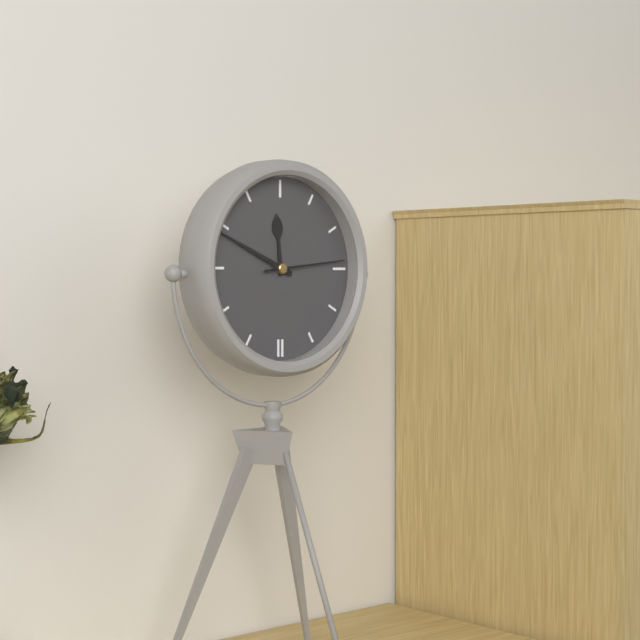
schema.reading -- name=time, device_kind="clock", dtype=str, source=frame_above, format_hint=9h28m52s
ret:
11h49m14s
